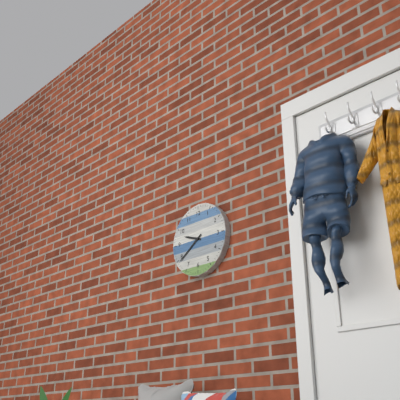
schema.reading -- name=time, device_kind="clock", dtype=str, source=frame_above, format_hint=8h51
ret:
9h39
